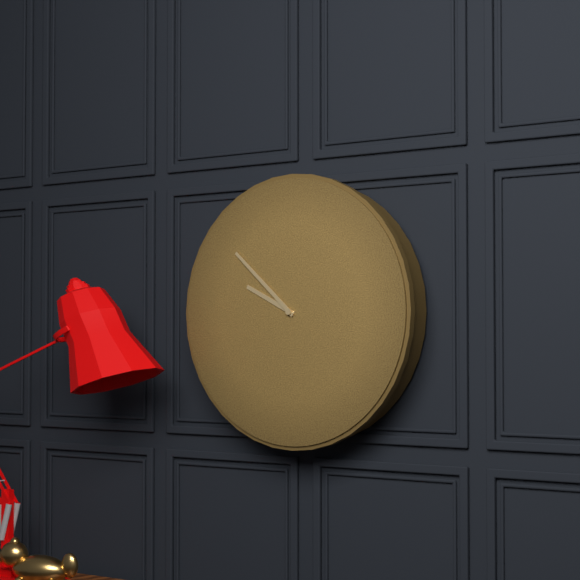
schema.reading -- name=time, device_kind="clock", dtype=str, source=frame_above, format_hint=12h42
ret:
9h52
